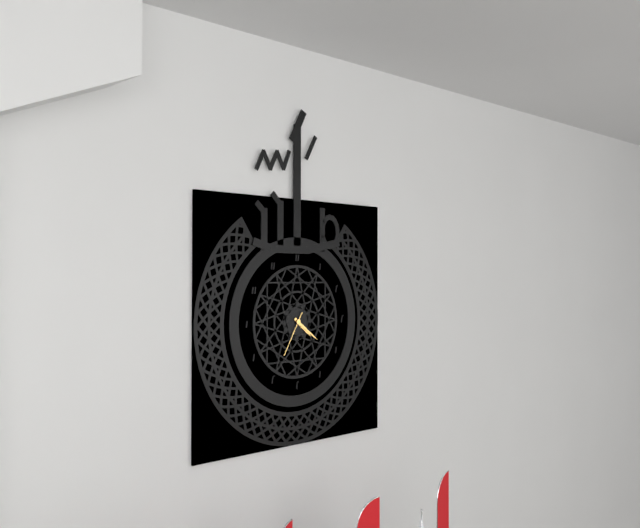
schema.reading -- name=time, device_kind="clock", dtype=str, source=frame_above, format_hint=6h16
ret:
4h21
